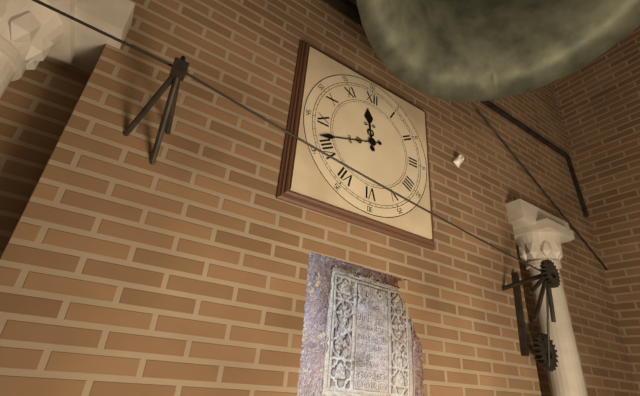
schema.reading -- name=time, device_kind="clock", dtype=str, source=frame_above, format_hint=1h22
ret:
11h42
